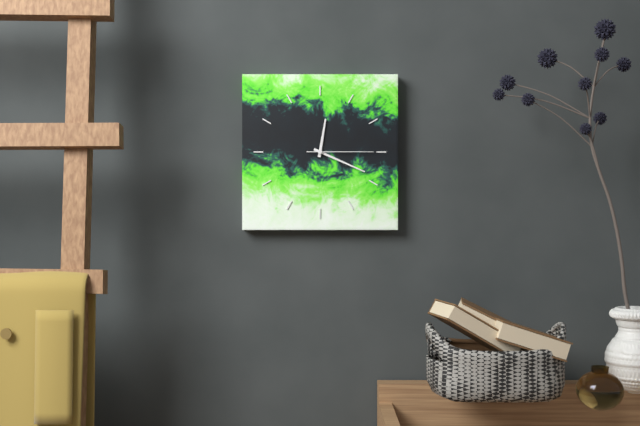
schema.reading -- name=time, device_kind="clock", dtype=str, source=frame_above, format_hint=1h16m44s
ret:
12h19m15s
